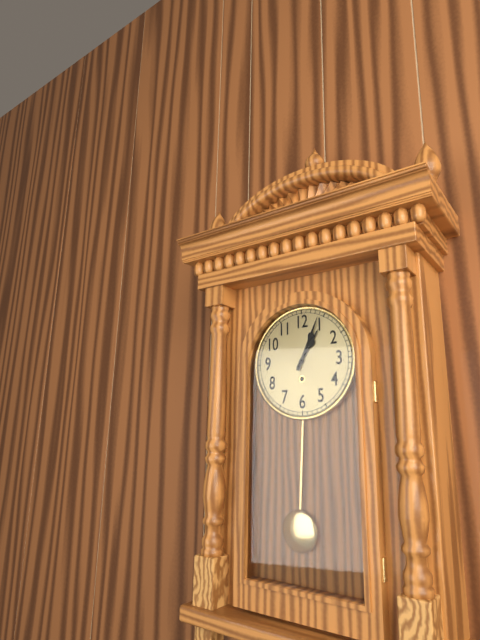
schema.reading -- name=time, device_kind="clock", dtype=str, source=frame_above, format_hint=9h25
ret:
1h04
